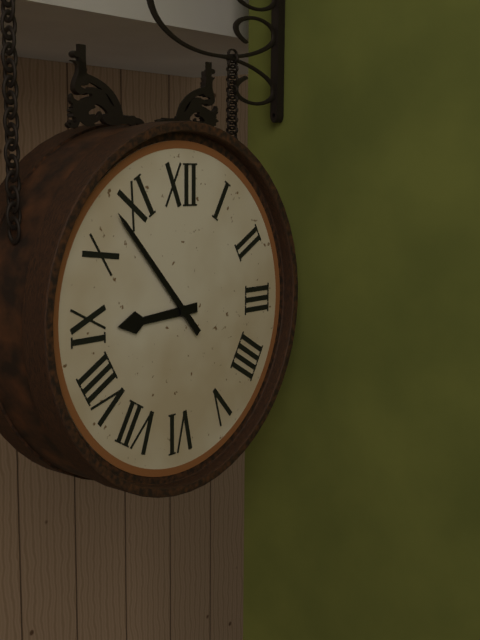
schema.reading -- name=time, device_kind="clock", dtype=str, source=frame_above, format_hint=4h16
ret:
8h53
